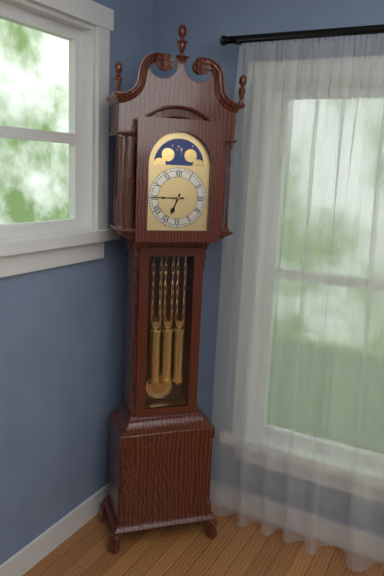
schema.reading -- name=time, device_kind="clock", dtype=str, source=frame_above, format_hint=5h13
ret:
6h45
